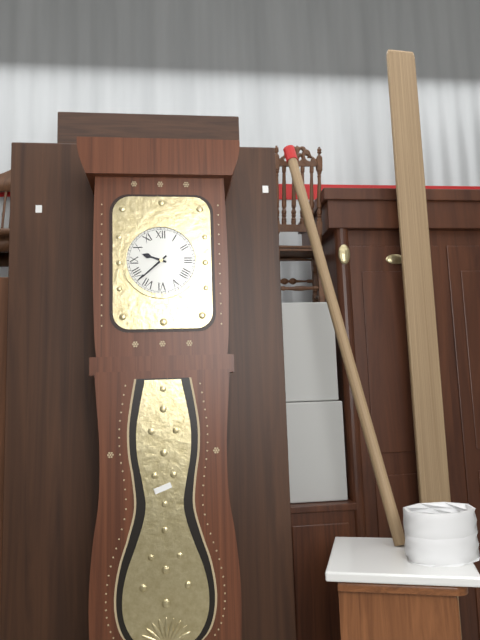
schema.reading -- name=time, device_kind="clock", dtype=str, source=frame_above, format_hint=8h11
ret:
9h38
